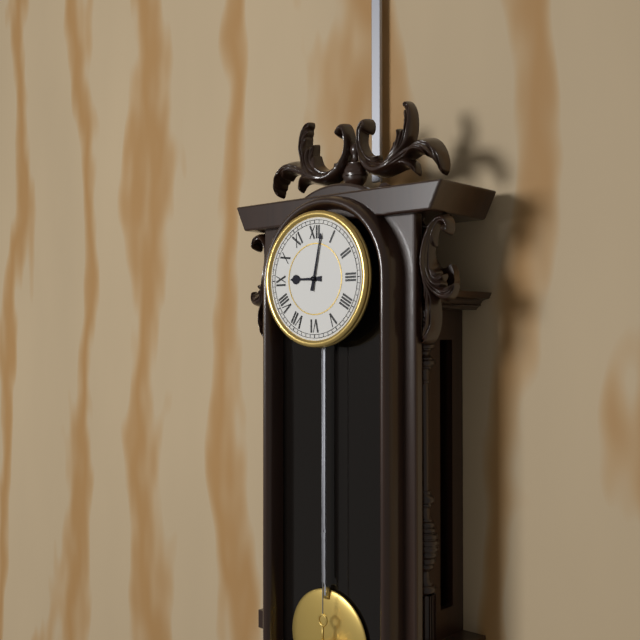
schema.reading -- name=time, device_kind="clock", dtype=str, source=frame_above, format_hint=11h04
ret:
9h02
